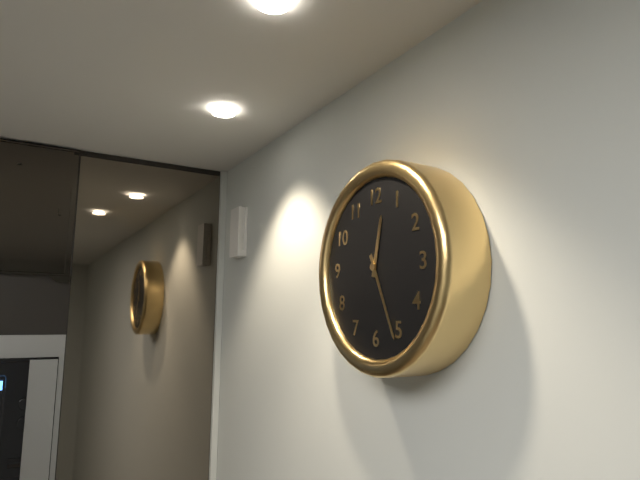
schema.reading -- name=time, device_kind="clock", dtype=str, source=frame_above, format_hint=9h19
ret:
12h26
